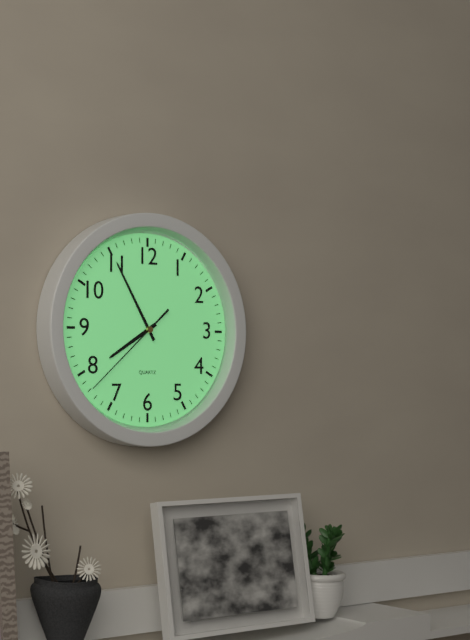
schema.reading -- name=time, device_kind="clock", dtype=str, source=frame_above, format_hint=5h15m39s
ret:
7h55m38s
